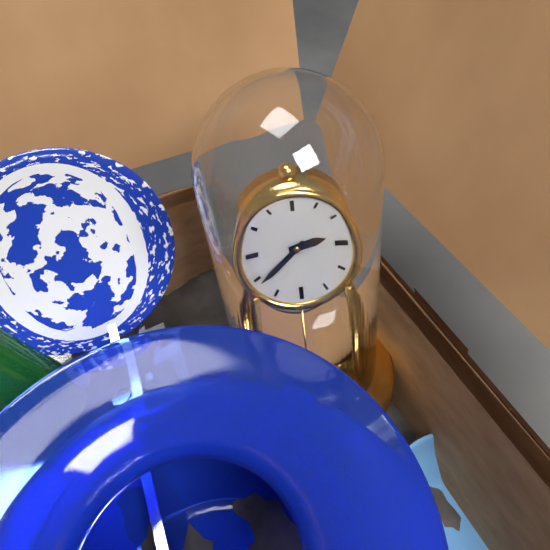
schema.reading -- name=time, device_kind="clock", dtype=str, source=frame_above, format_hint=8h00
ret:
2h39
